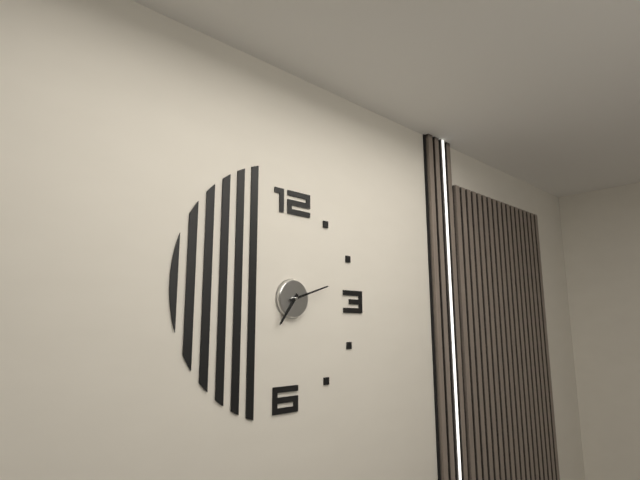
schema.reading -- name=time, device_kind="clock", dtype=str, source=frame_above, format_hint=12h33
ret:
7h12
